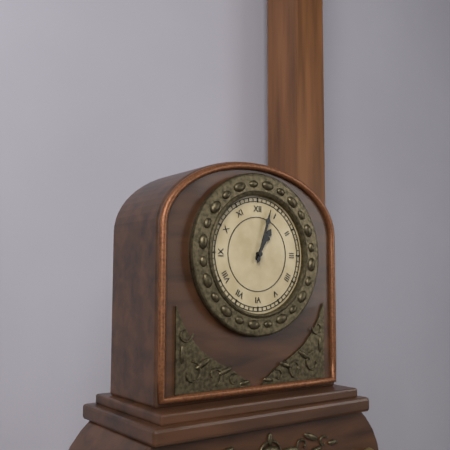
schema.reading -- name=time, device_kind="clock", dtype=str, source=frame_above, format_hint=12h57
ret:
1h03
